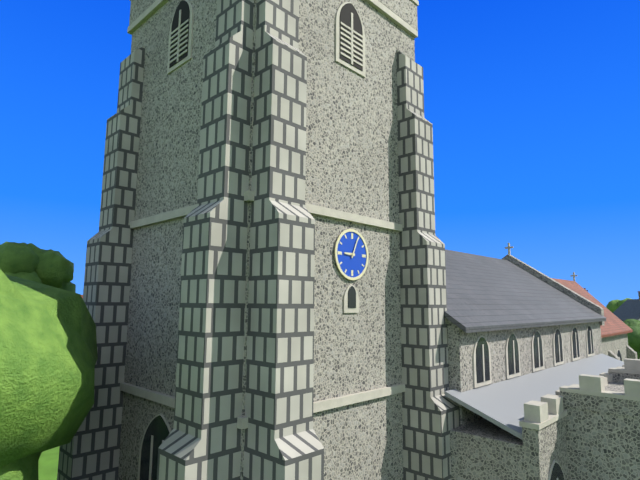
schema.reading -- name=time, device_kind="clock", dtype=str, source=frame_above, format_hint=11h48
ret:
9h04
